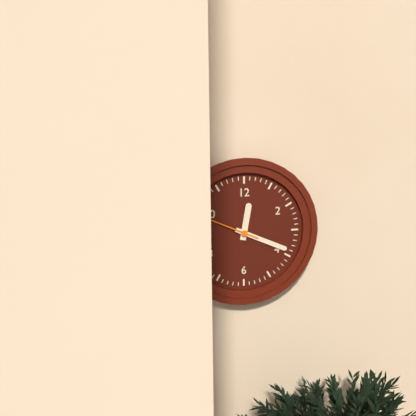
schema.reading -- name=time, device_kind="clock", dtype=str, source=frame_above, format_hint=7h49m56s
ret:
12h19m49s
